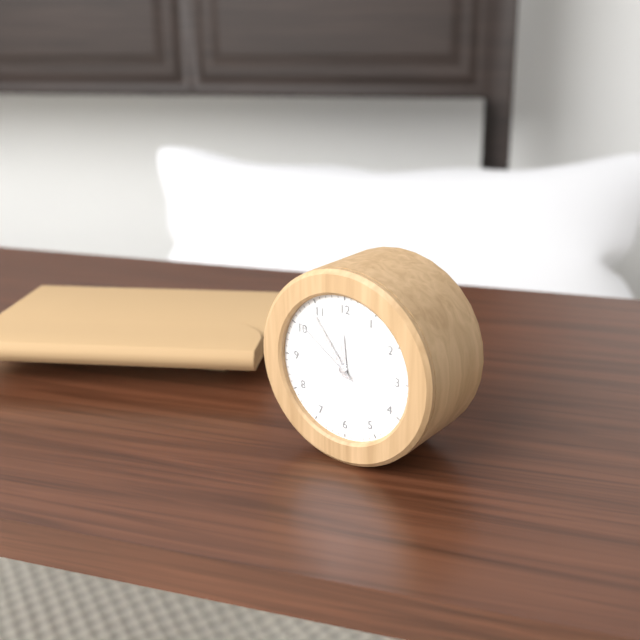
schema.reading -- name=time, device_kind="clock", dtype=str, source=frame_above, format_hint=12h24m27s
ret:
11h54m51s
